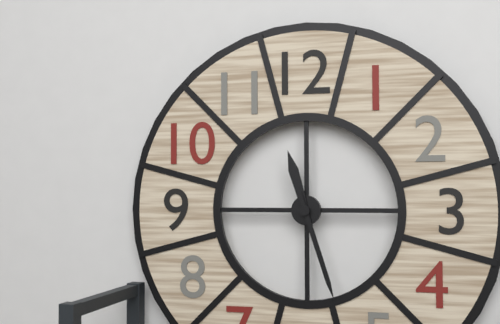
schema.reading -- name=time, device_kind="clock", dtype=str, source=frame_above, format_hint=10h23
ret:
11h27
